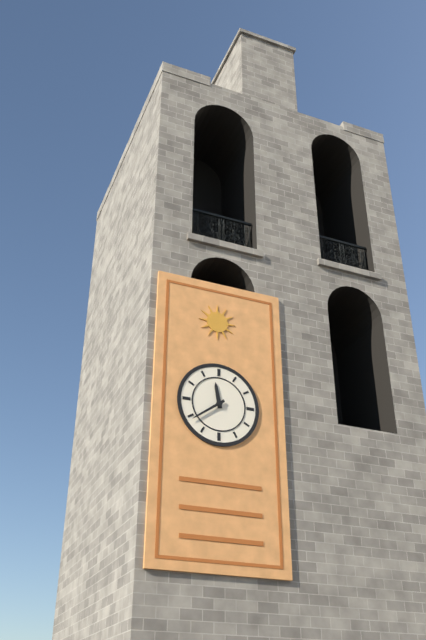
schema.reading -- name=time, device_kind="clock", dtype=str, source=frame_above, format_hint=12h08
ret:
11h39
